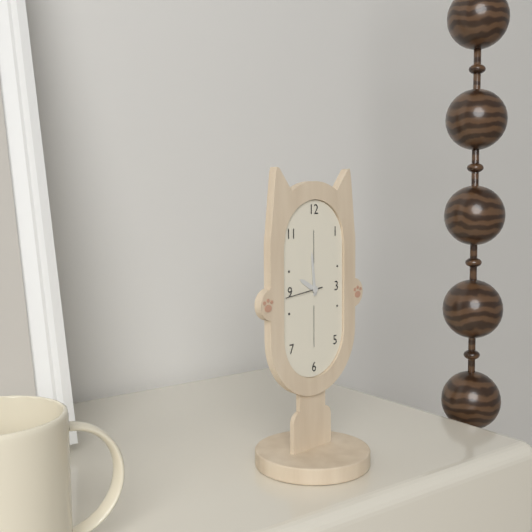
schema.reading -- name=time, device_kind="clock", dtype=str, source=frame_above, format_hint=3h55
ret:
9h59
